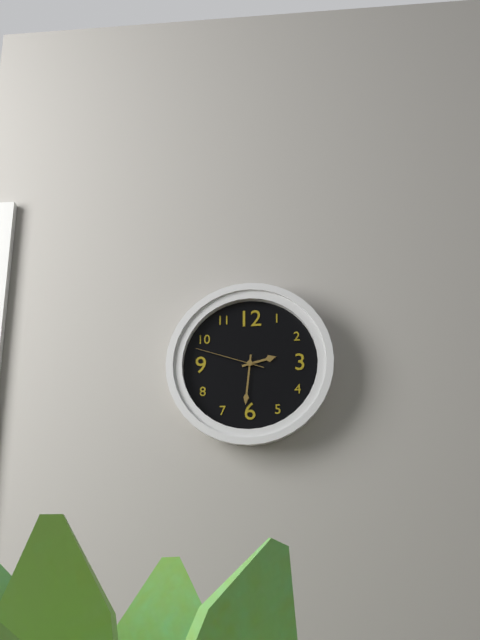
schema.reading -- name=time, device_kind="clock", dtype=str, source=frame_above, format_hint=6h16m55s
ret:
2h31m48s
